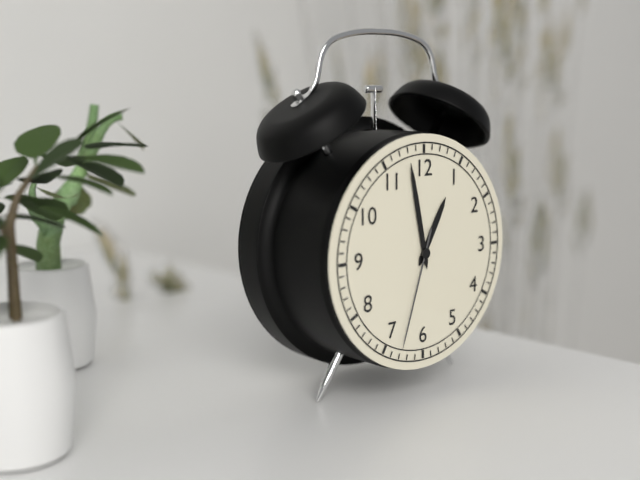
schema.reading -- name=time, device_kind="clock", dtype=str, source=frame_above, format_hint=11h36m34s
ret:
12h58m33s
